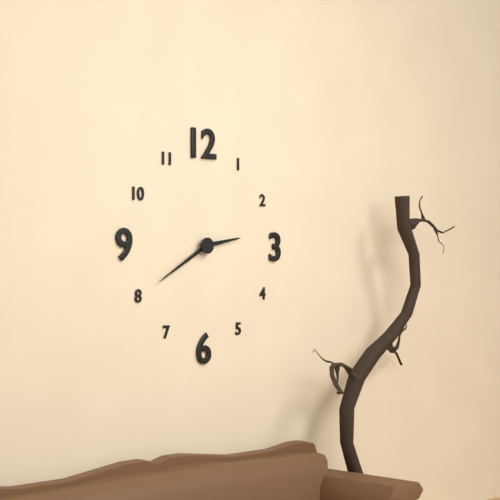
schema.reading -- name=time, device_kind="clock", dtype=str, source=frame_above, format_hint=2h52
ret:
2h40
